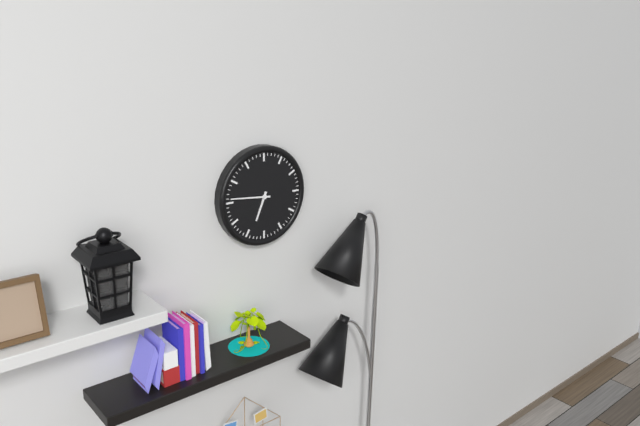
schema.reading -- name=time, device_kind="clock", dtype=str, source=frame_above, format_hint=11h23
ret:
6h46
